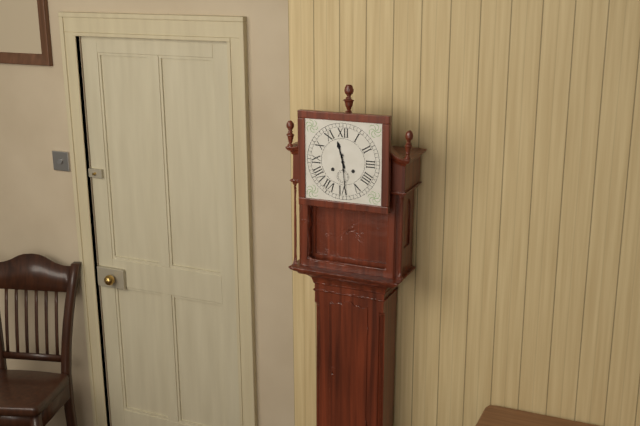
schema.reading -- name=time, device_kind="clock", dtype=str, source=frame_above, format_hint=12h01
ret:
11h29
